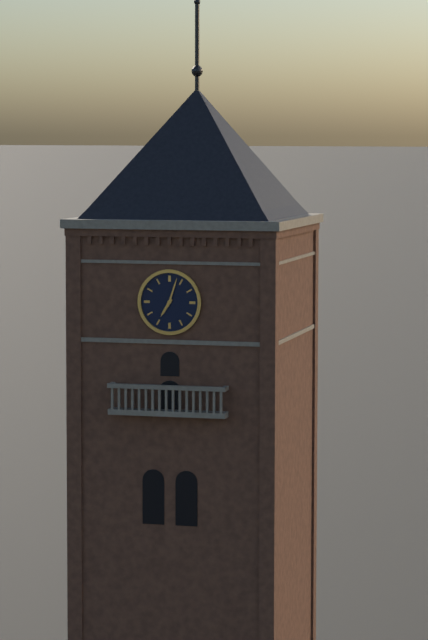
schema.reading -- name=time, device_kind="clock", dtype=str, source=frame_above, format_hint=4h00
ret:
7h03
